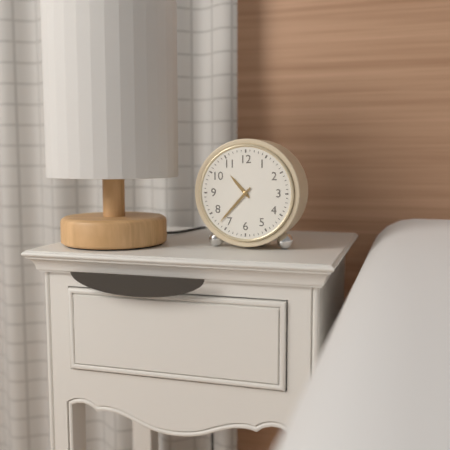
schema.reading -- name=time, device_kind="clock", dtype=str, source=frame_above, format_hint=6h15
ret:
10h37
